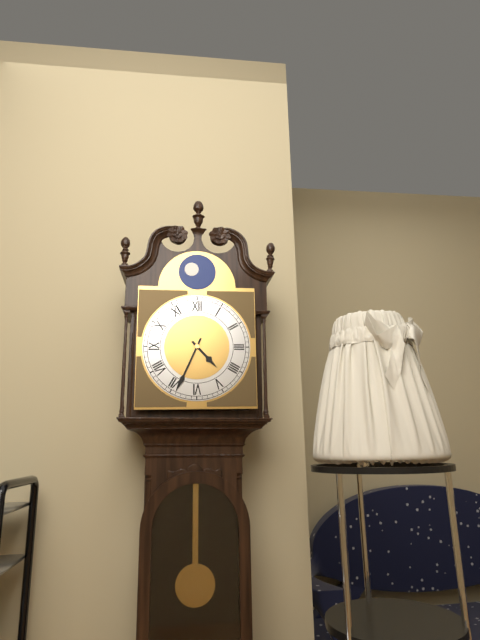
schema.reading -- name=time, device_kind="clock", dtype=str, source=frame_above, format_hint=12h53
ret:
4h34
